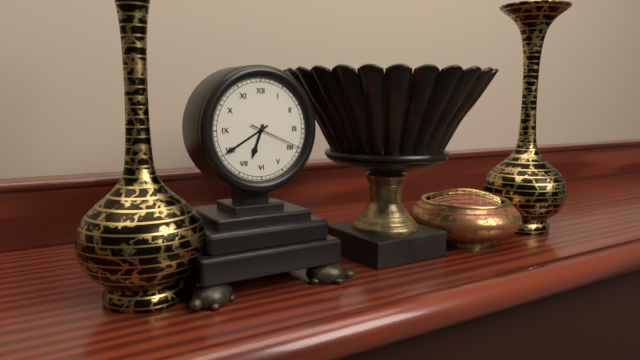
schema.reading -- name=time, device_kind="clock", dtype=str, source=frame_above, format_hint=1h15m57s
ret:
6h40m19s
